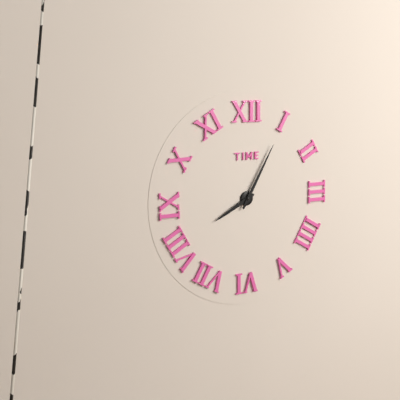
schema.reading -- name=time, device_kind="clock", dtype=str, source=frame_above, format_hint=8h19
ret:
8h05
